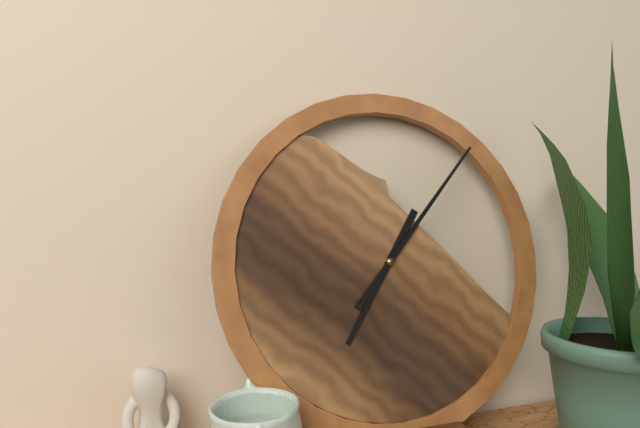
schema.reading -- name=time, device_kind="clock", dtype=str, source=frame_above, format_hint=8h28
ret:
7h07
